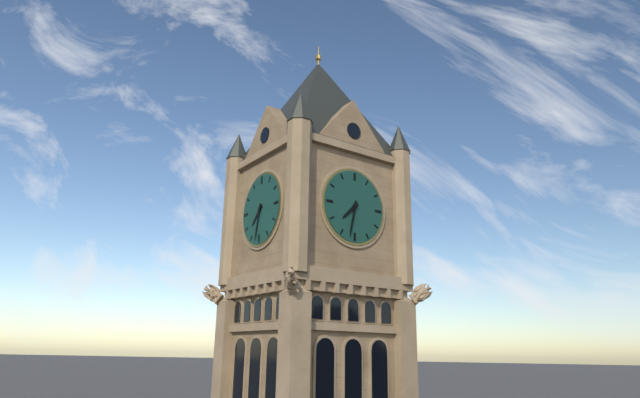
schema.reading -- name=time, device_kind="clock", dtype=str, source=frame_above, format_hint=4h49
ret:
7h32
